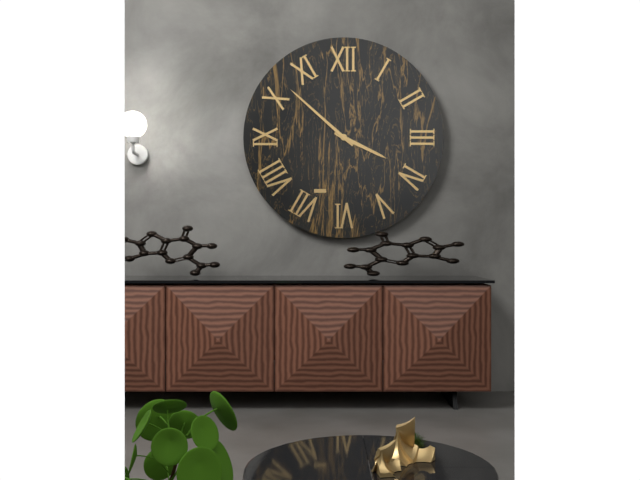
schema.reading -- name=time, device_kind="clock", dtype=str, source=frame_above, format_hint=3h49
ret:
3h52
